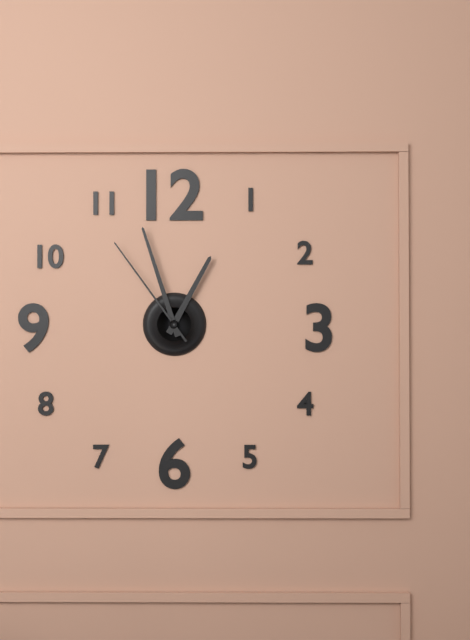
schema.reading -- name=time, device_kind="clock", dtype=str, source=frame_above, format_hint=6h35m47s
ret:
12h57m54s
